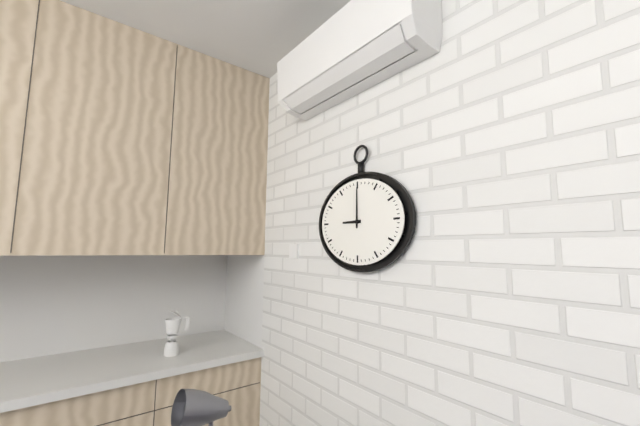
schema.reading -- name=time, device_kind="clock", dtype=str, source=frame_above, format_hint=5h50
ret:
9h00
